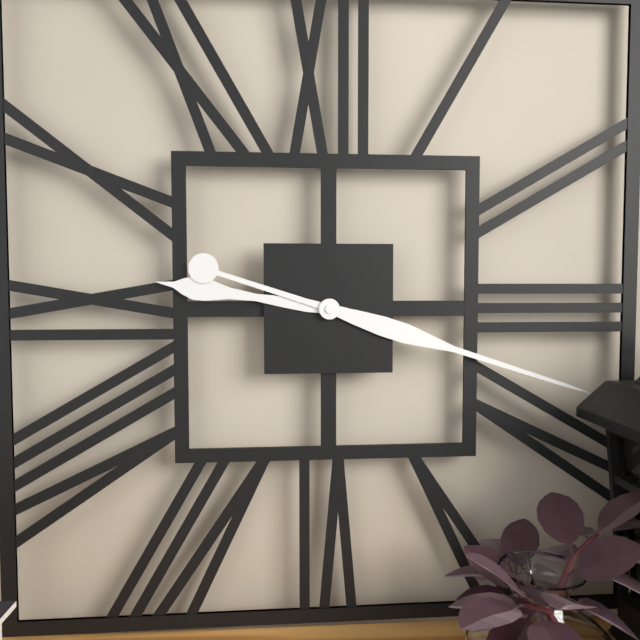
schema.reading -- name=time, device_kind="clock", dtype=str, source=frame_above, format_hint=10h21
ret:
9h18
